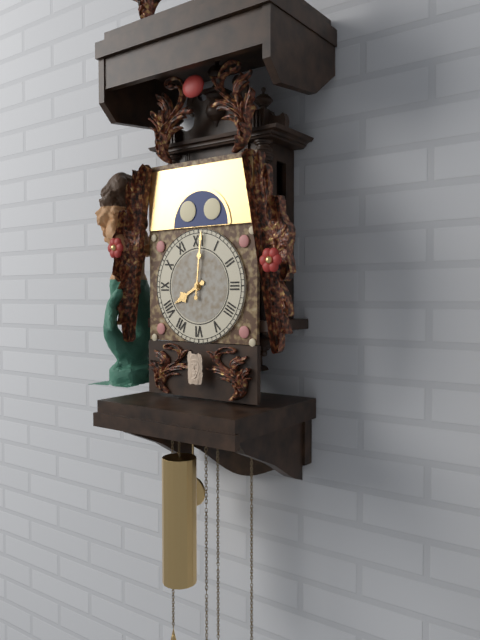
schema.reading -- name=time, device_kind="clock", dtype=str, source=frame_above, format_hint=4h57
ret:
8h01
